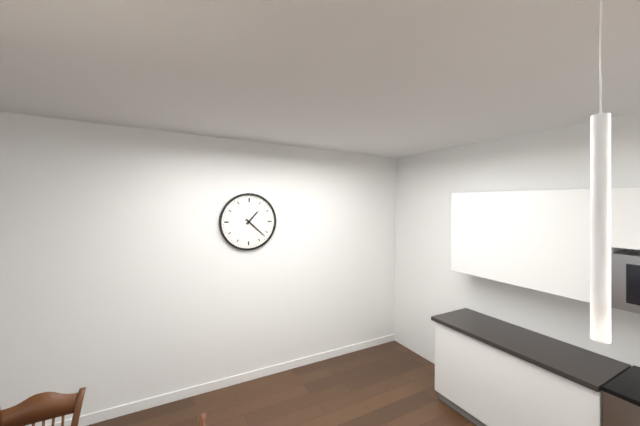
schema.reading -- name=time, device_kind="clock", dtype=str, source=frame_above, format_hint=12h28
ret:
1h22
